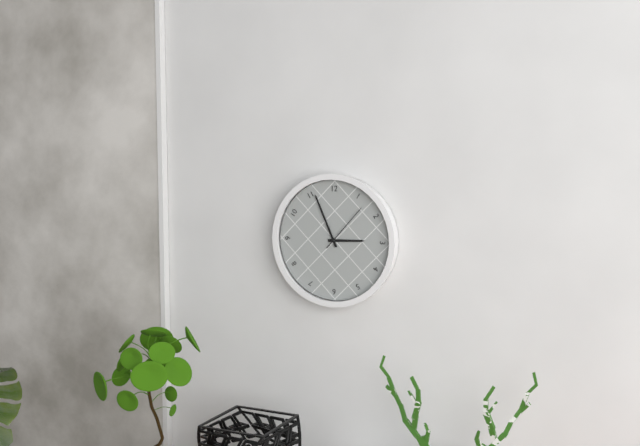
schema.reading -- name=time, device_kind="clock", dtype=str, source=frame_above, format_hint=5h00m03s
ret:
2h56m07s
